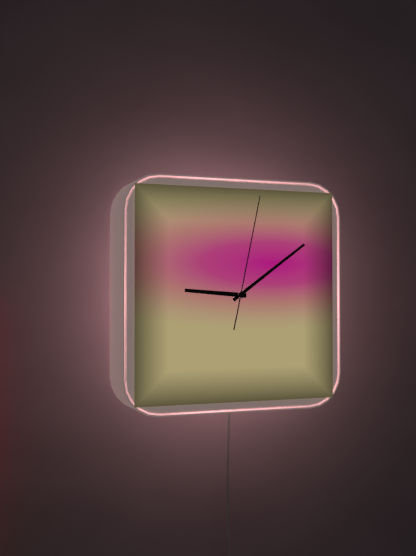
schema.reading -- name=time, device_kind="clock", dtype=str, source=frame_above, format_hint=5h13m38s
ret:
9h09m02s
